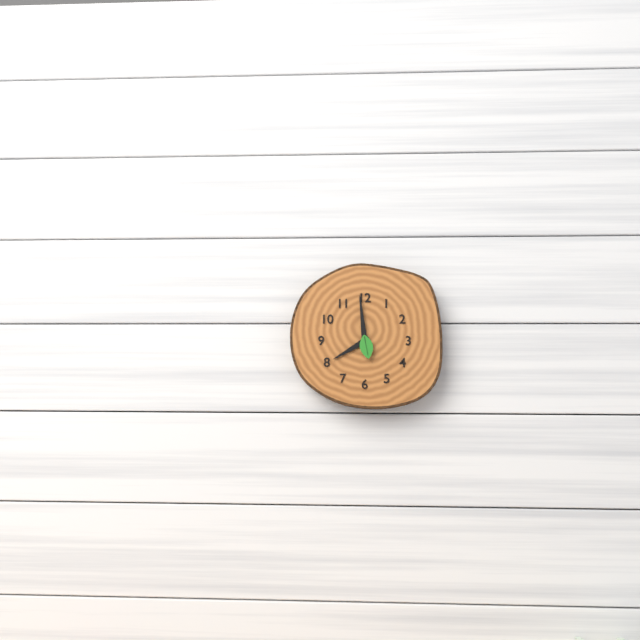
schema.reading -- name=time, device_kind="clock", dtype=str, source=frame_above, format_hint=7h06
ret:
7h59
